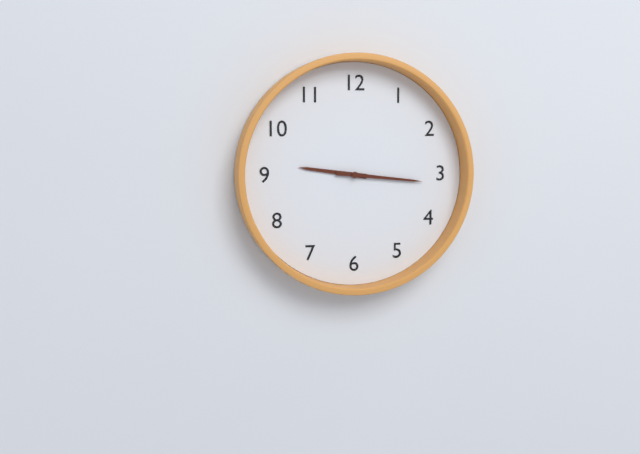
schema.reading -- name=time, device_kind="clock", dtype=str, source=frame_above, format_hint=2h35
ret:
9h16
